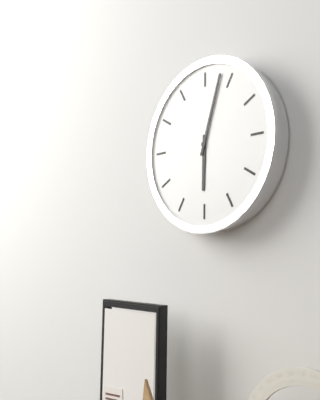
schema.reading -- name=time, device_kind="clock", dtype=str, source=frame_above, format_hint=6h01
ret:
6h03
